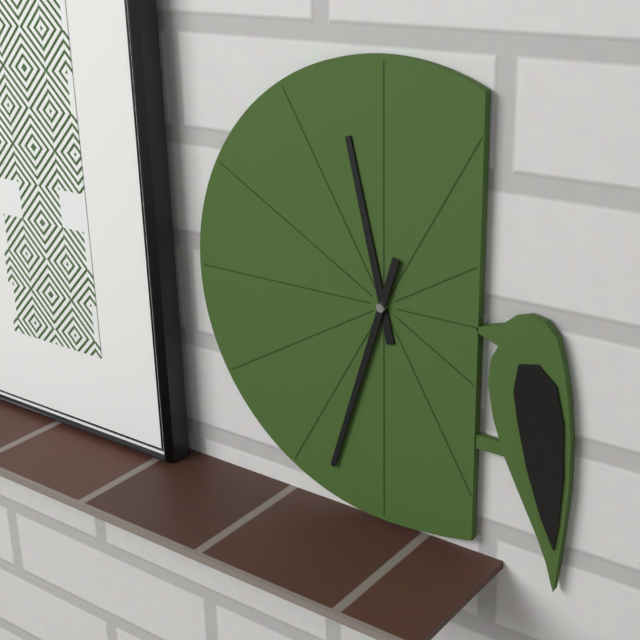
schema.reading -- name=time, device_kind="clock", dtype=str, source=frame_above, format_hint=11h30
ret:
11h33
